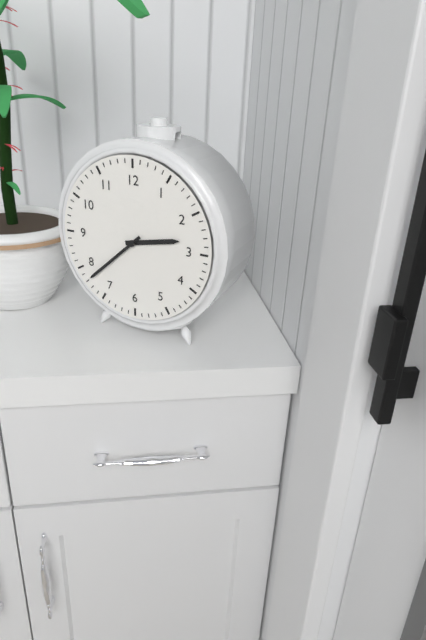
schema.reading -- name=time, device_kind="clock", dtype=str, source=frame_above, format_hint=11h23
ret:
2h38
